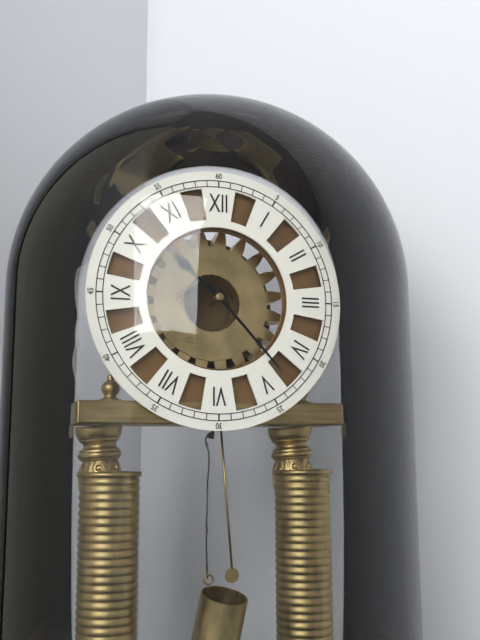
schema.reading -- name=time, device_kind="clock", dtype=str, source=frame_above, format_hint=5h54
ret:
10h23
